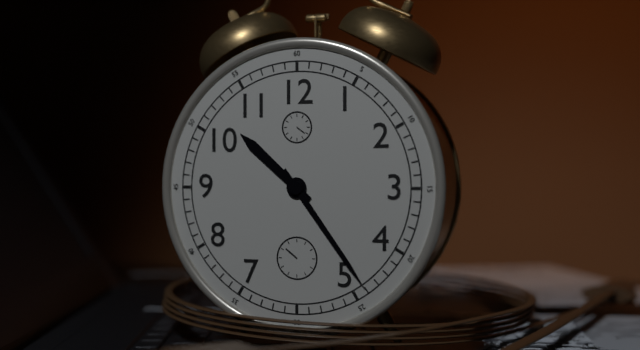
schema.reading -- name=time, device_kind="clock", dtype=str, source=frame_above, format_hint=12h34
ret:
10h24
